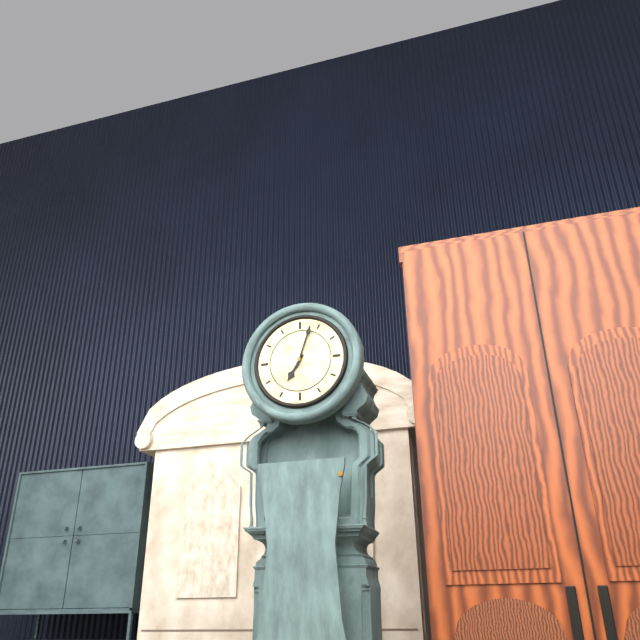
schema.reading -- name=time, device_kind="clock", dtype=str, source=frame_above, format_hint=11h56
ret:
7h03
